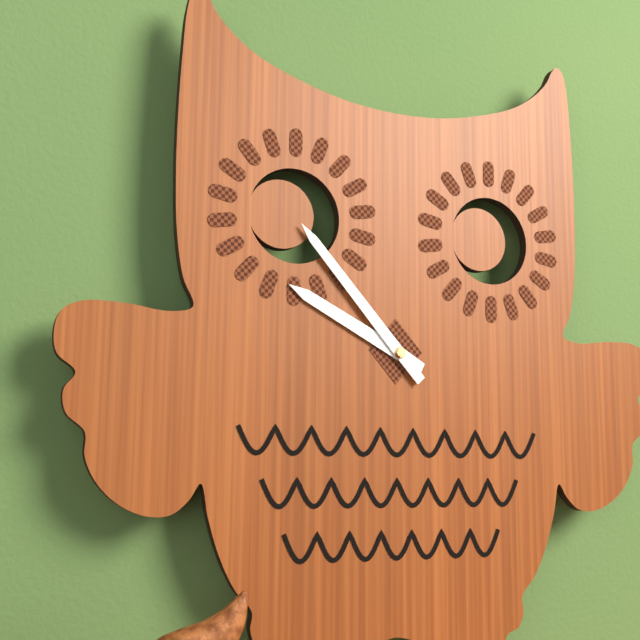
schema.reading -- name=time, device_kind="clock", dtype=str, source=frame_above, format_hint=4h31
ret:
9h53
